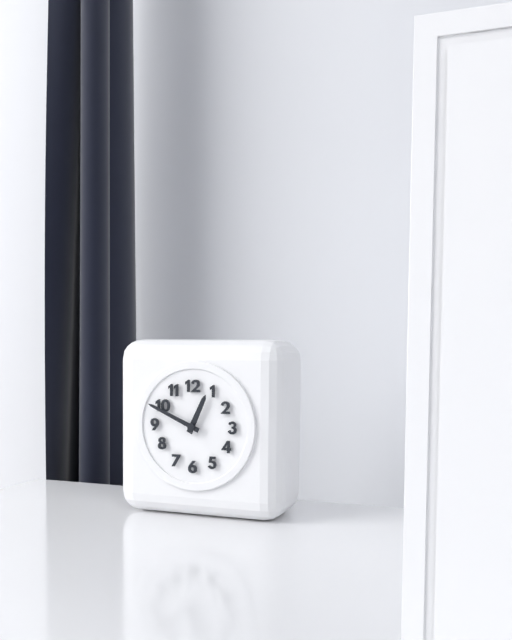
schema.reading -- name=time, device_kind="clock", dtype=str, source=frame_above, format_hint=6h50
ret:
12h49
